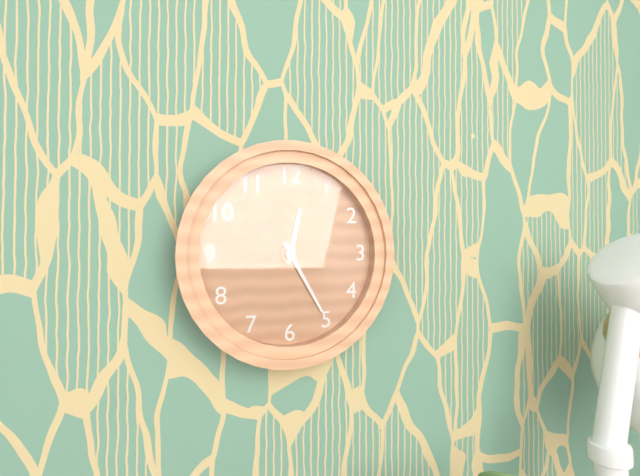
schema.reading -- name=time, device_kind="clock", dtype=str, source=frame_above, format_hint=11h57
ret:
12h25
